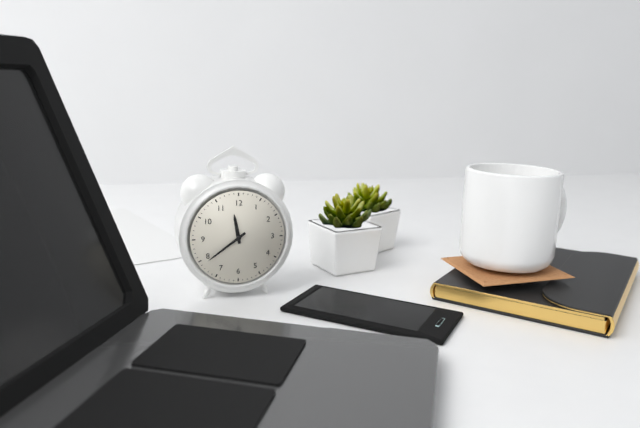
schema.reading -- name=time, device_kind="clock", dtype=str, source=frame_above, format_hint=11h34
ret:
11h39
